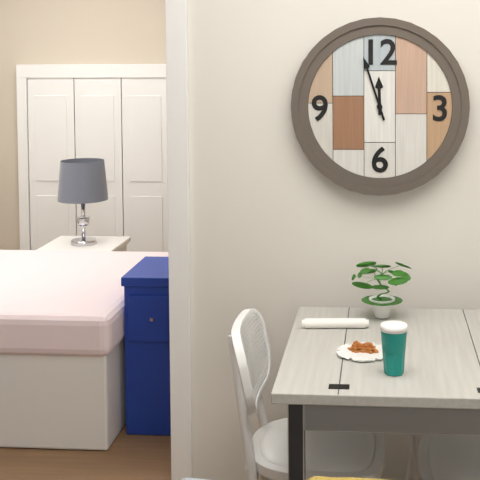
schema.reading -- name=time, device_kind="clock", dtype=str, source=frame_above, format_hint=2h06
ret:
11h57
